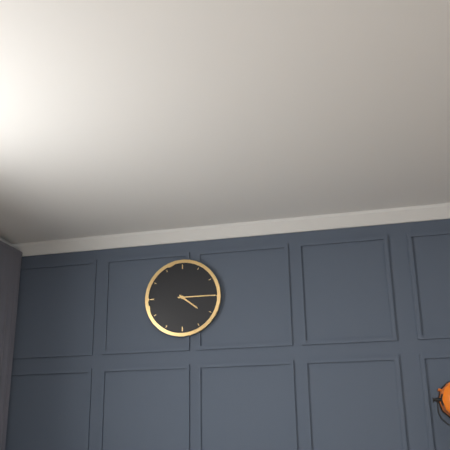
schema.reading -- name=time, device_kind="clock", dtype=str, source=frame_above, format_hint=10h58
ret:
4h15
